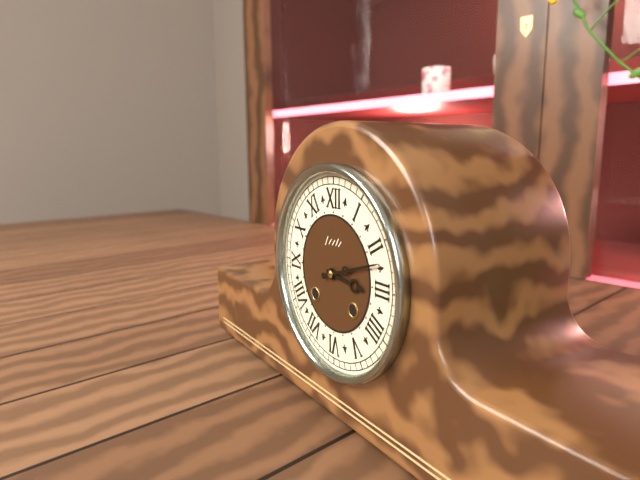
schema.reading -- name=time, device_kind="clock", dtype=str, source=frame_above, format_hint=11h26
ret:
3h12
